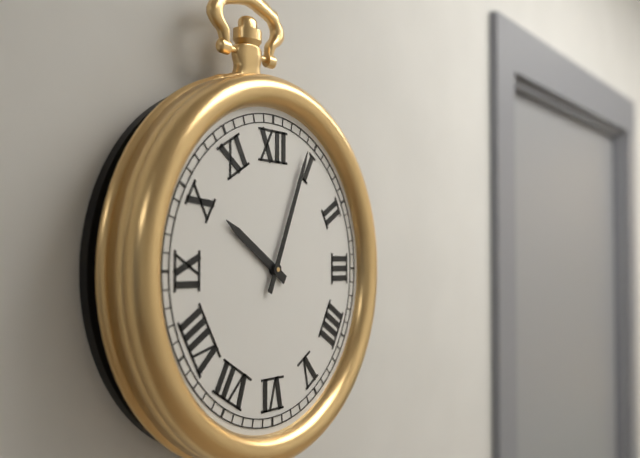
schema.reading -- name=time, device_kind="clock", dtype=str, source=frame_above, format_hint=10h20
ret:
10h04
